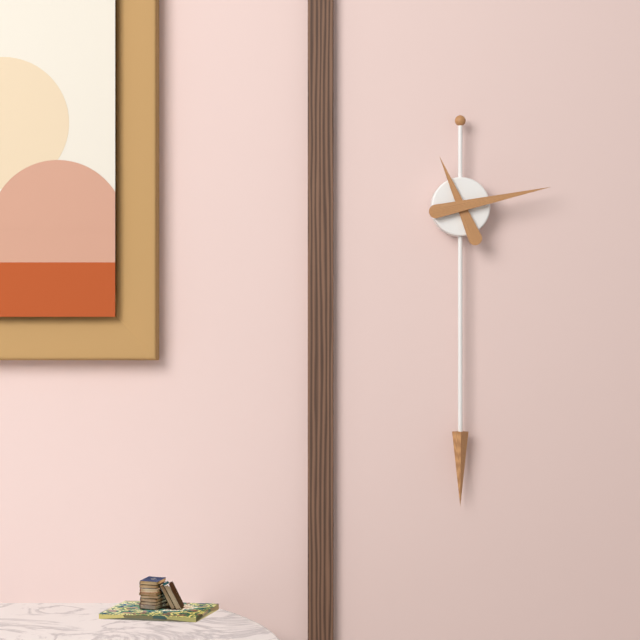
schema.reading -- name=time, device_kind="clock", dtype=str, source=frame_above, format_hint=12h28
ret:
11h13
